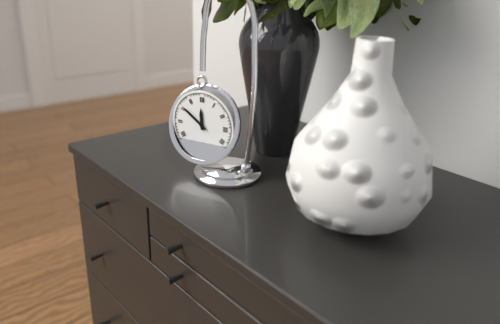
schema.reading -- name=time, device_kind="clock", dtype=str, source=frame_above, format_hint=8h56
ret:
11h51
